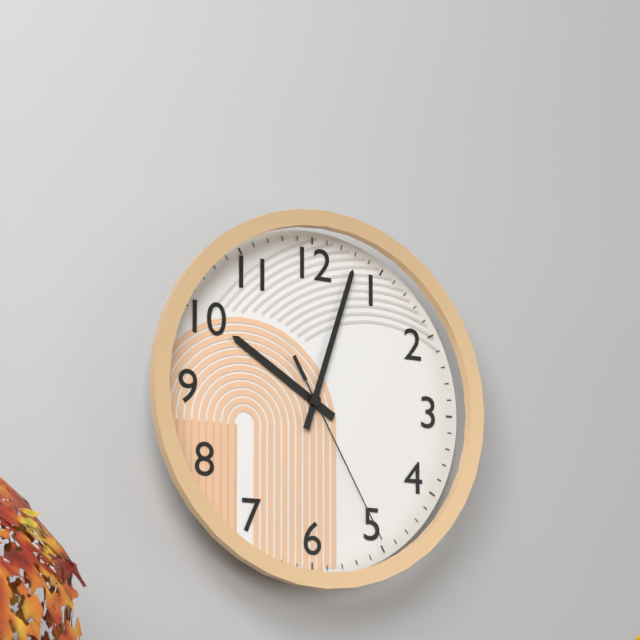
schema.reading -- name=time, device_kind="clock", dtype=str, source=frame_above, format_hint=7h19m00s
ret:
10h03m25s
